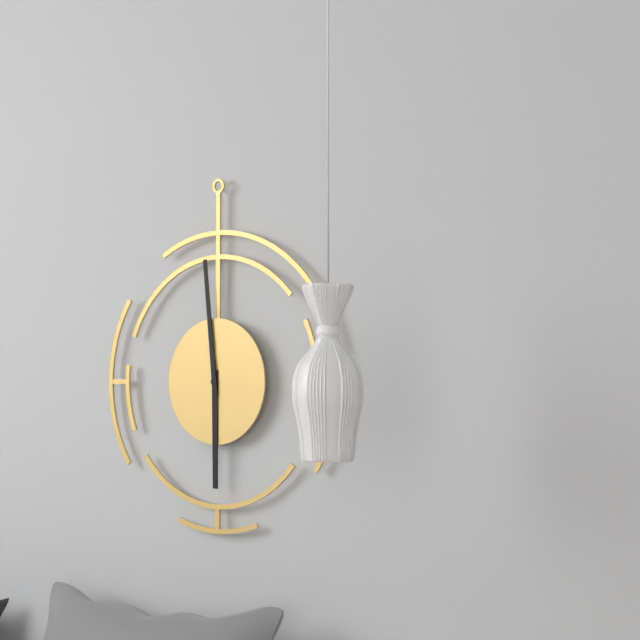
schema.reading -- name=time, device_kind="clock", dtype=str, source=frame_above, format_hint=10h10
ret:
5h59
